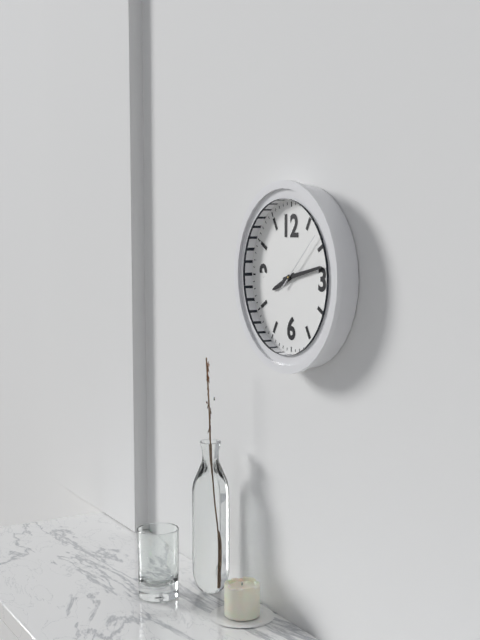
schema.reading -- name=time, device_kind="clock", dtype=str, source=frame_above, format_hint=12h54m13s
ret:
8h13m08s
